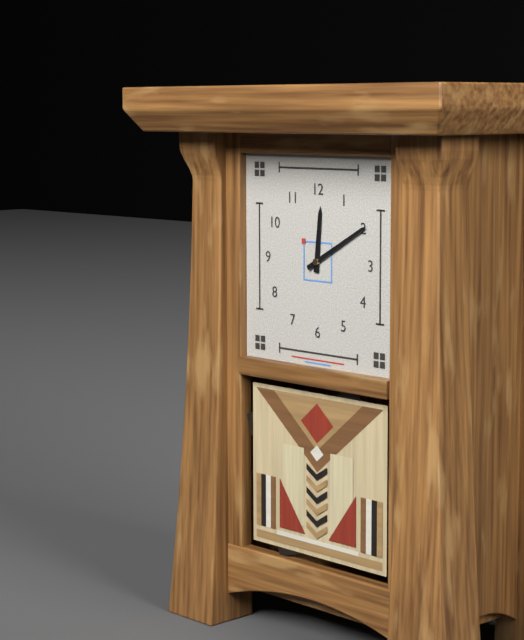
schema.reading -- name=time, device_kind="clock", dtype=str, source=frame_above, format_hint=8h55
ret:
12h10
